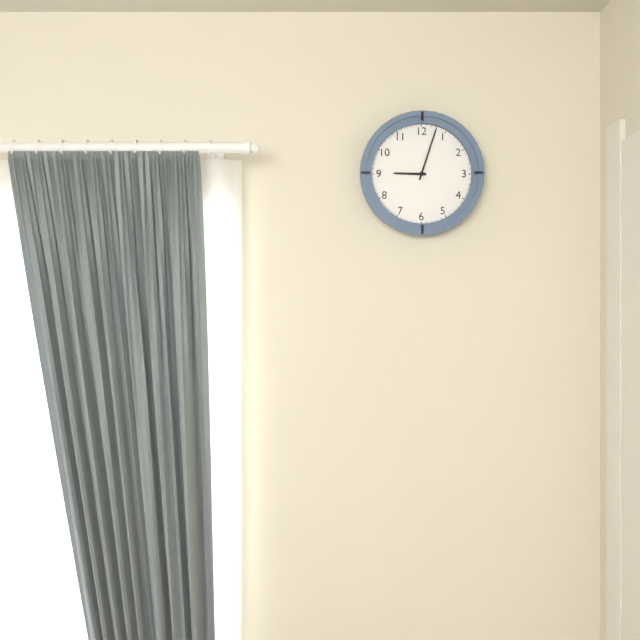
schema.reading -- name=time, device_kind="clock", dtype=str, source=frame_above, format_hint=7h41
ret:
9h03
